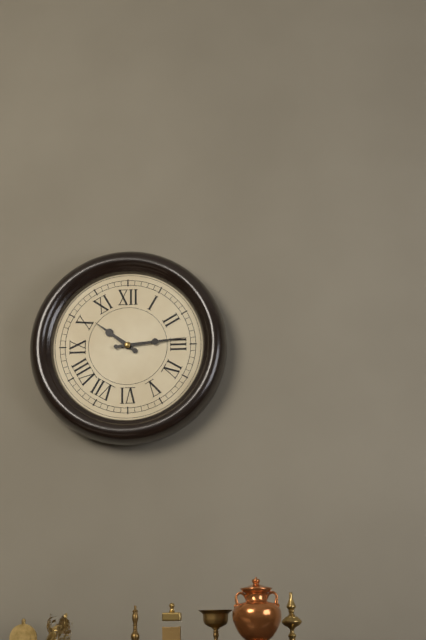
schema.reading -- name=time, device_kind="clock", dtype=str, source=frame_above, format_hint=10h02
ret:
10h14
